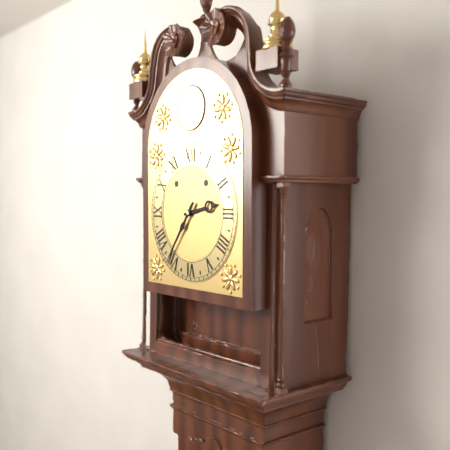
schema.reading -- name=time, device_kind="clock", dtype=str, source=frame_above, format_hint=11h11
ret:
2h36
